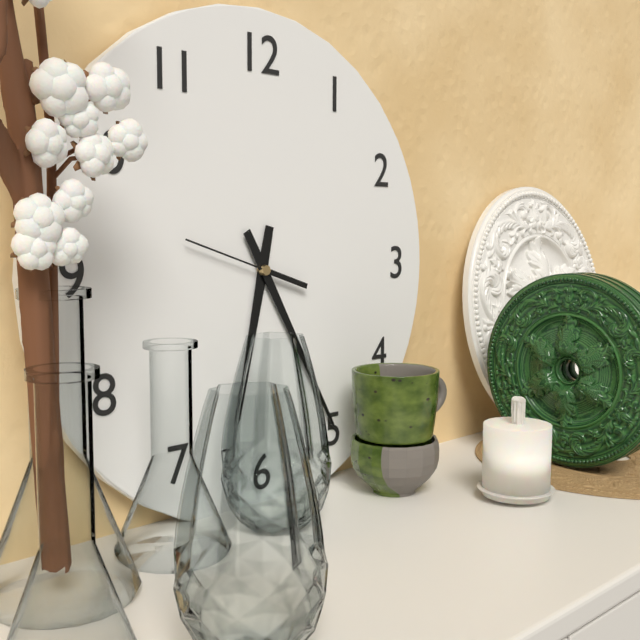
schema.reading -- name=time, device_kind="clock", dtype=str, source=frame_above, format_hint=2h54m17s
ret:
6h25m48s
